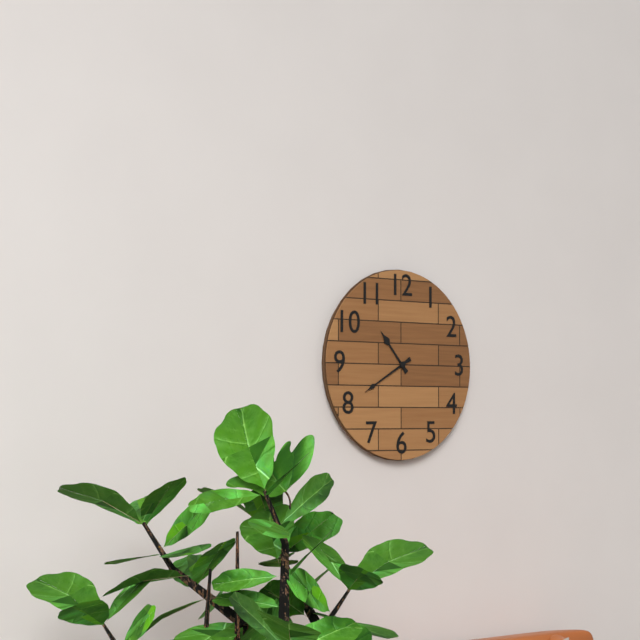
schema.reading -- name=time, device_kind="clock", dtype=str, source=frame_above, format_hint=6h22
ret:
10h40
